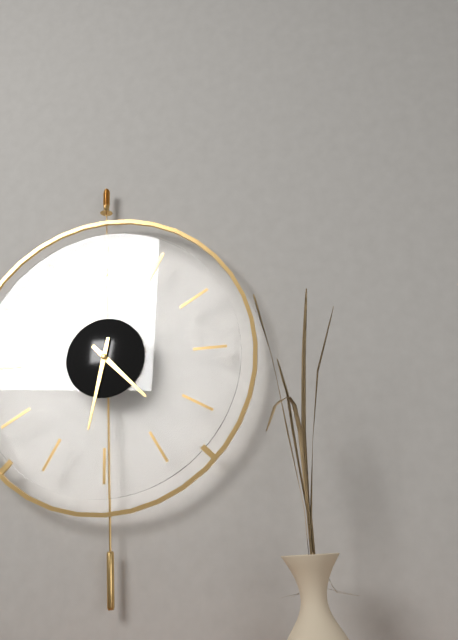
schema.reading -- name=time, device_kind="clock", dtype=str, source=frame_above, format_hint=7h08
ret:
4h32
